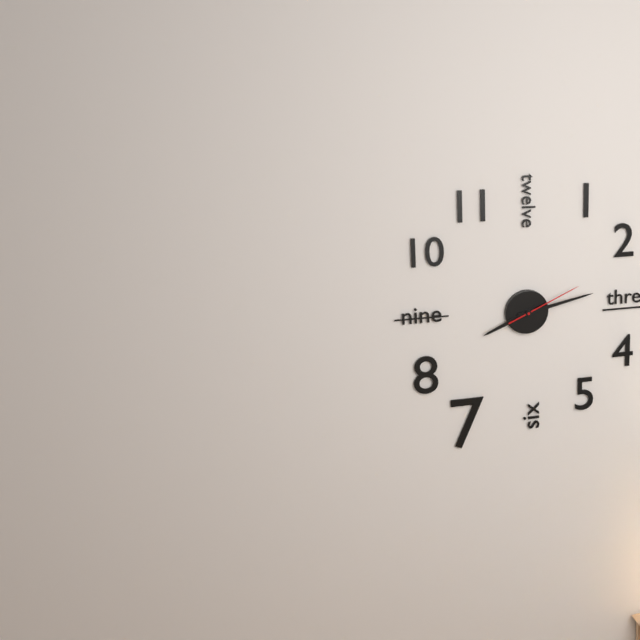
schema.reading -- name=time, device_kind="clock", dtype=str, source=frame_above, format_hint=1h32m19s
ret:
8h13m11s
